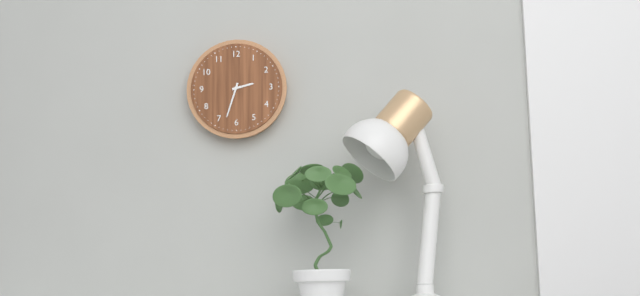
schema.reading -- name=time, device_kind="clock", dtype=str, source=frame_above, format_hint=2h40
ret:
2h33
